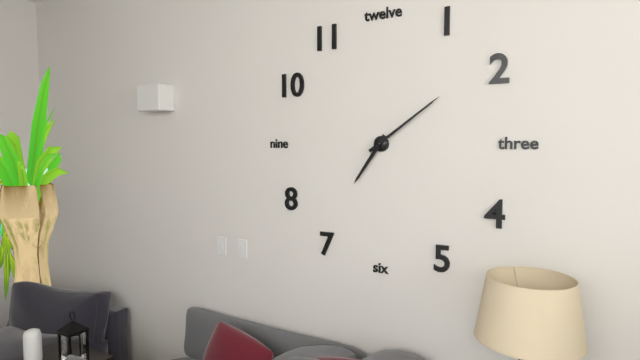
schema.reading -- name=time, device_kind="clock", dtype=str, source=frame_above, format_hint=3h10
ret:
7h09
